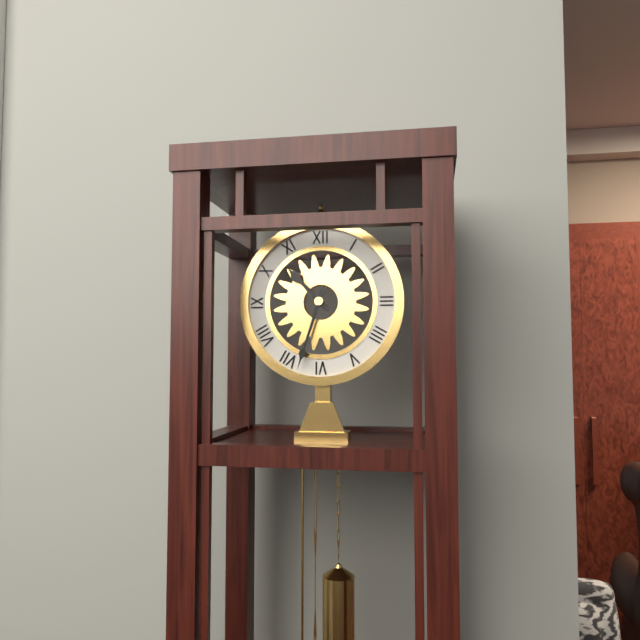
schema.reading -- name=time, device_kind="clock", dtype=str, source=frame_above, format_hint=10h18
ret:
10h33
